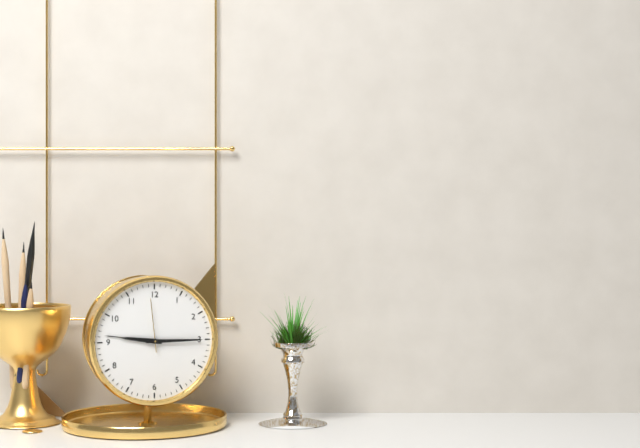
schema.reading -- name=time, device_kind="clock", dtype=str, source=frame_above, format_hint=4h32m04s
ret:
9h15m59s
